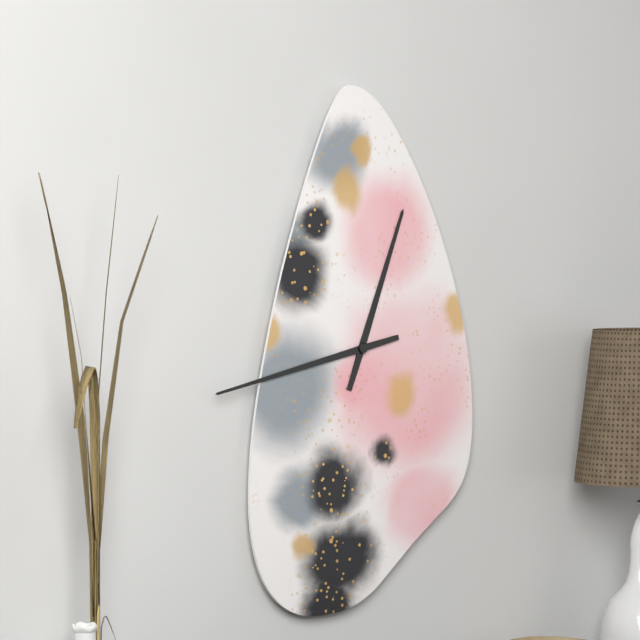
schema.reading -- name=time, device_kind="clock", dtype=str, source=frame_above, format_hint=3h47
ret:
12h43
